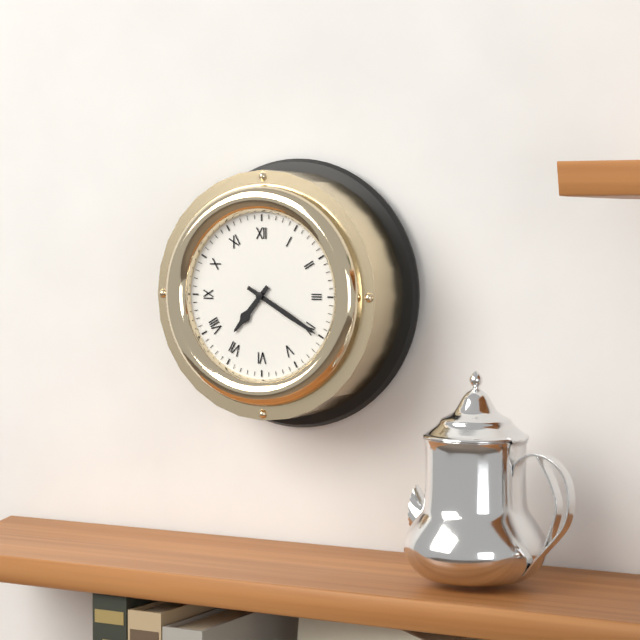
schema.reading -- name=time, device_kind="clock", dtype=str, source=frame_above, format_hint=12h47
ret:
7h20
